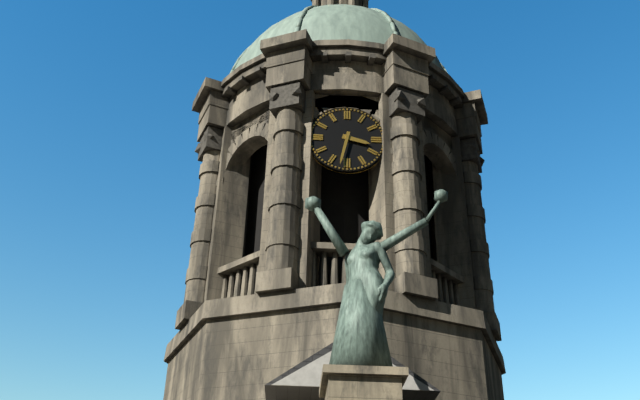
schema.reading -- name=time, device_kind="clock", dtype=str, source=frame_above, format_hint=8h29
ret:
3h32
